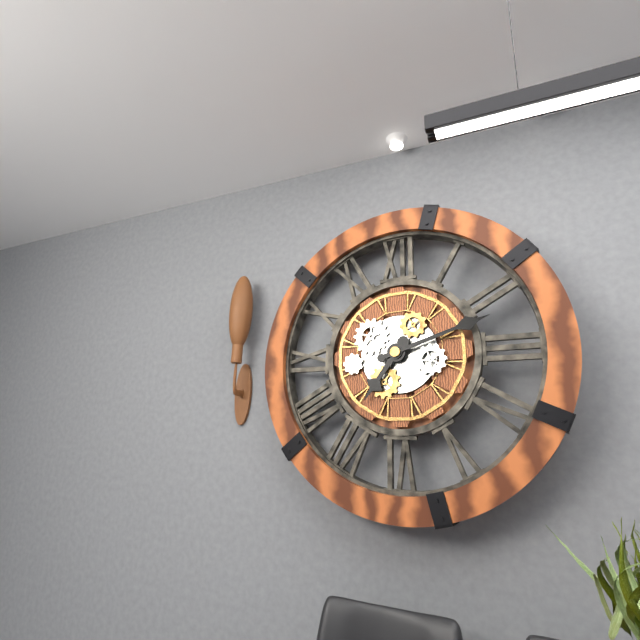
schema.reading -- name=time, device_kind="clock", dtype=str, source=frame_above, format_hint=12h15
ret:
7h12
